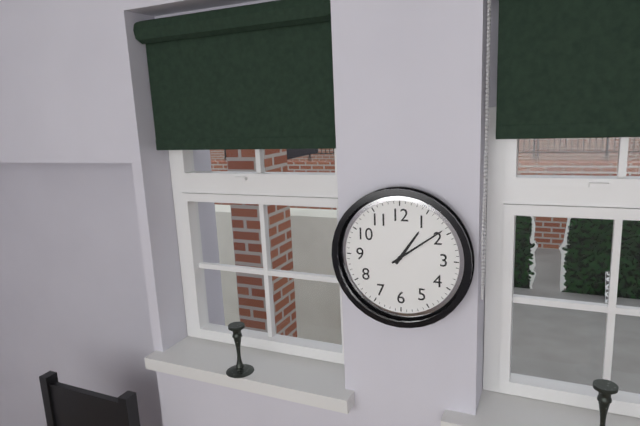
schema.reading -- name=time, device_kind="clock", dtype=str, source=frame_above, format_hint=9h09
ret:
1h09
